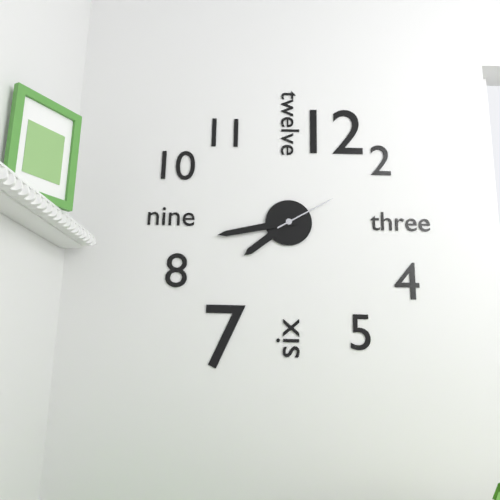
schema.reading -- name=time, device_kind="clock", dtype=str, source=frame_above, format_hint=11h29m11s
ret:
7h43m10s
